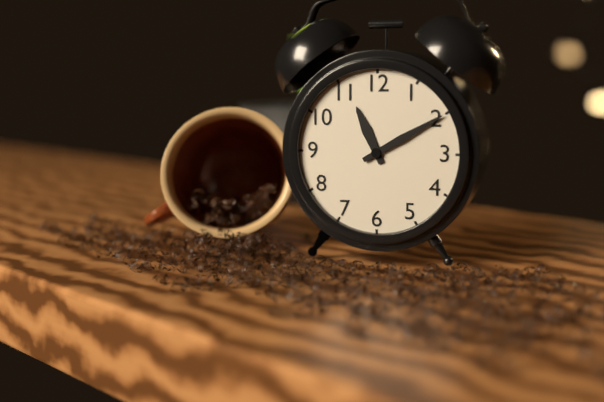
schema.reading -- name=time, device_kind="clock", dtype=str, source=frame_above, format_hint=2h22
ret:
11h10
